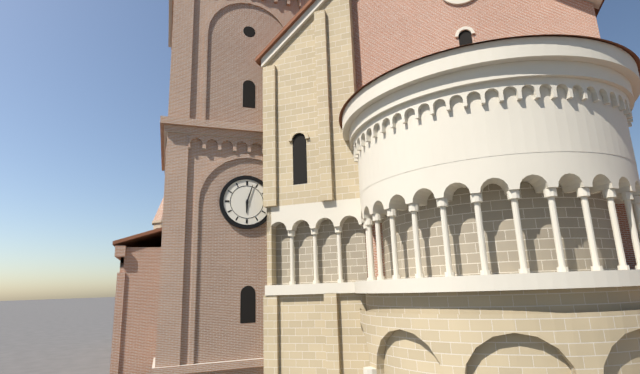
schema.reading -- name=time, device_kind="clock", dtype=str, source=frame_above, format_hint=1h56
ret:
6h03
